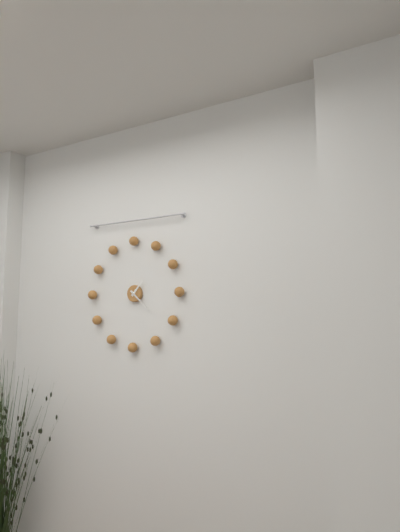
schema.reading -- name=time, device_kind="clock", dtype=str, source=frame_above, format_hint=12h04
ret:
1h22
